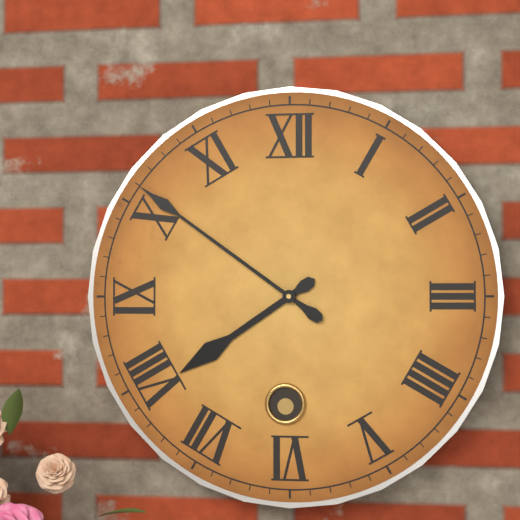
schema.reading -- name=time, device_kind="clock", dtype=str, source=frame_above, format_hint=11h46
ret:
7h51
